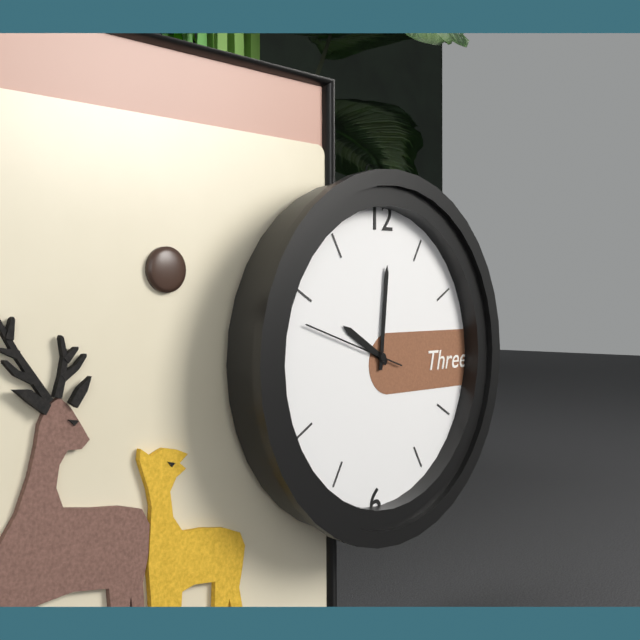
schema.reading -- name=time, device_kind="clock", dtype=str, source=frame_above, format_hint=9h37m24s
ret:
10h01m48s
